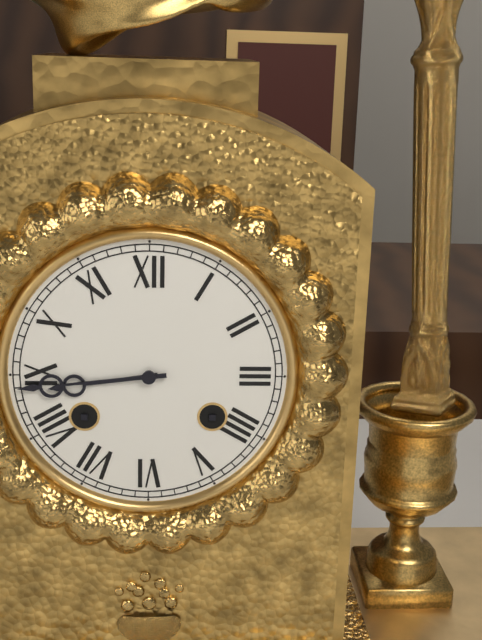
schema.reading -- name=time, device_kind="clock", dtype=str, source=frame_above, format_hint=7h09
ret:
8h44
